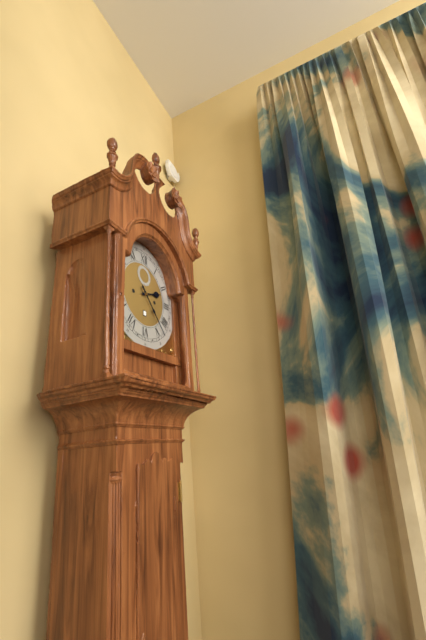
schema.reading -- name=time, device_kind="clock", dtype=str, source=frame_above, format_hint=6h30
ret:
2h23
